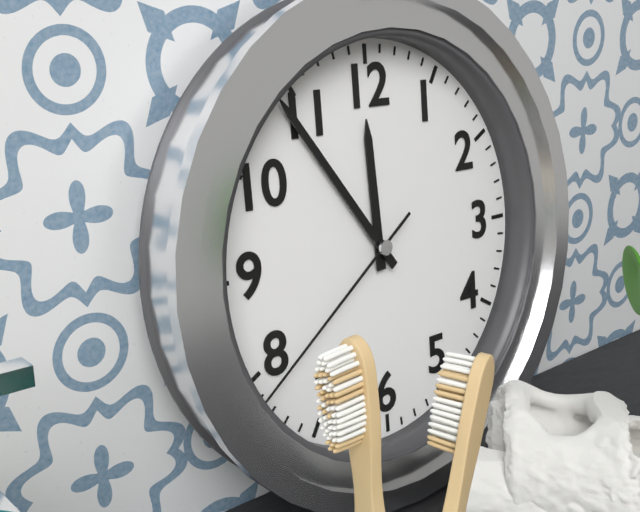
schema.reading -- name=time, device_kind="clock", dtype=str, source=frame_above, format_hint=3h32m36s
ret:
11h54m39s
